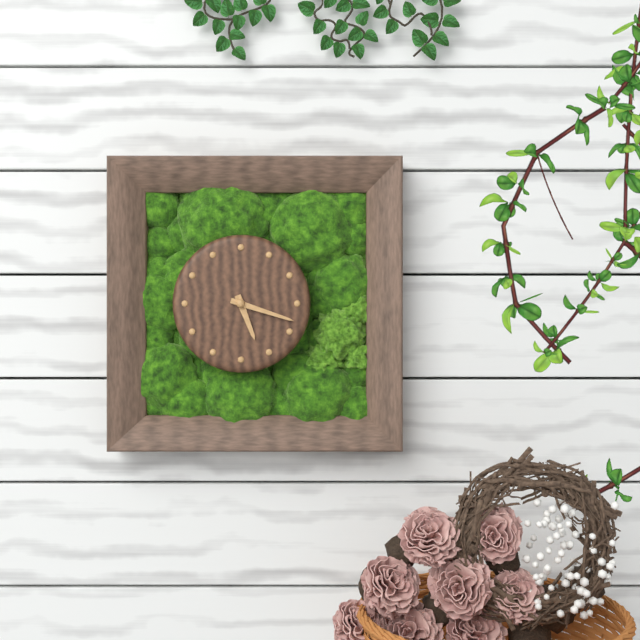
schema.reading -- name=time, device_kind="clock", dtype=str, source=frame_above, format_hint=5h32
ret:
5h18
